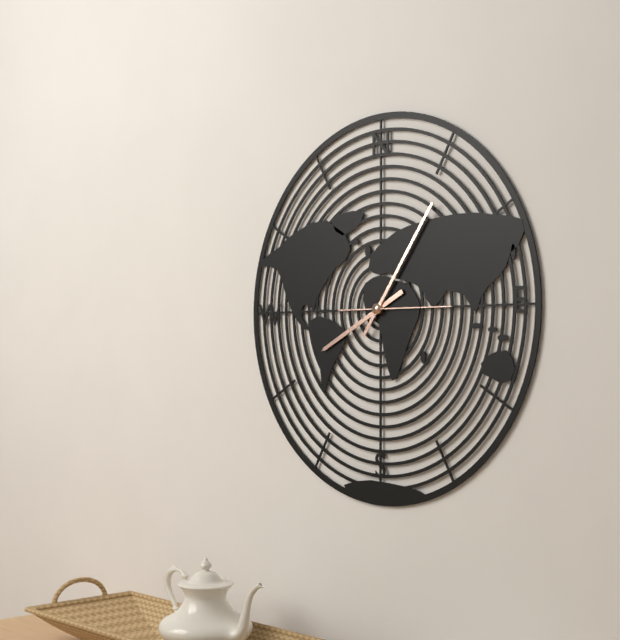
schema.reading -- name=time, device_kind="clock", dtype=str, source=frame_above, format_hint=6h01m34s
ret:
8h06m15s
